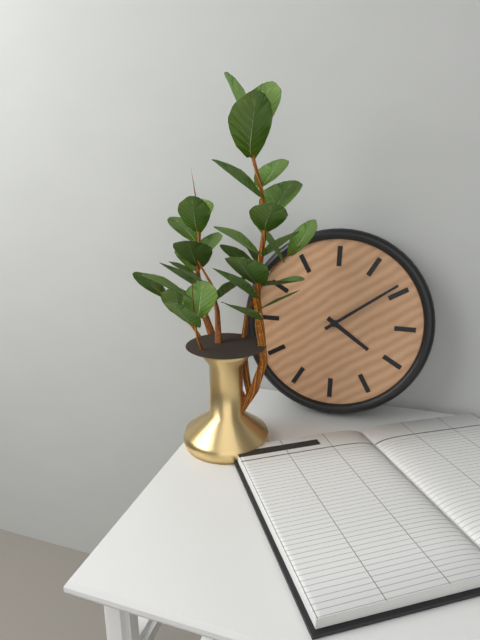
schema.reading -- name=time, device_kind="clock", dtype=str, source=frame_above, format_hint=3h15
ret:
4h09
